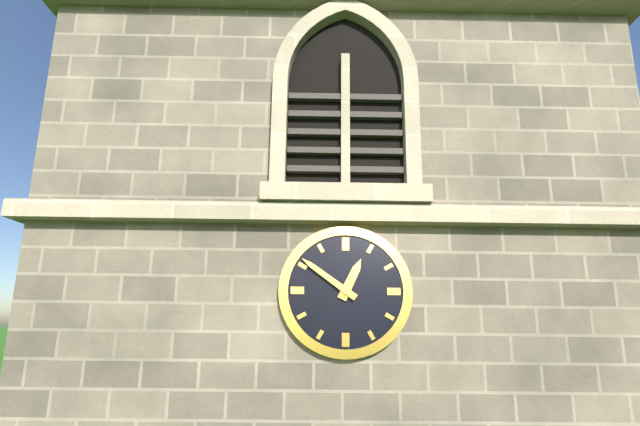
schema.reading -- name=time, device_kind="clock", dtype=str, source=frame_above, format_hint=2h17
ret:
12h51
